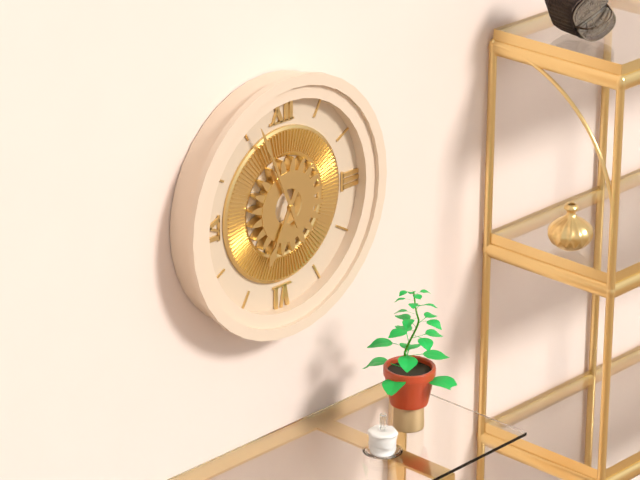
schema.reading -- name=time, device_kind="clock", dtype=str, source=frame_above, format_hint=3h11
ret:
6h56
